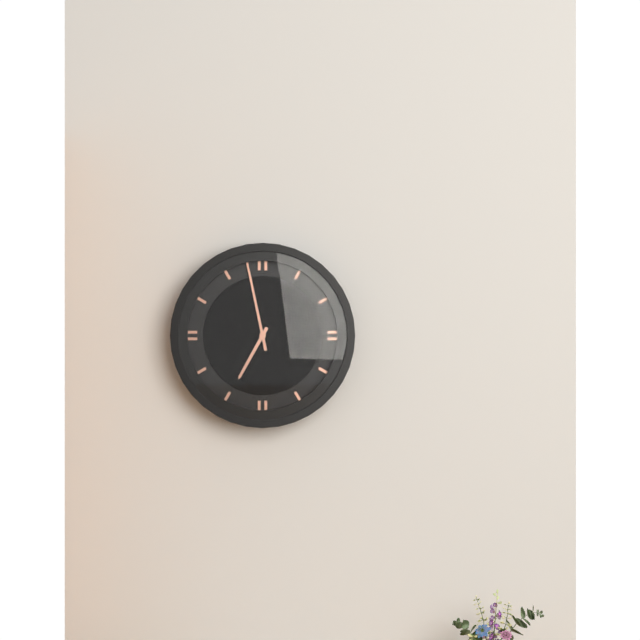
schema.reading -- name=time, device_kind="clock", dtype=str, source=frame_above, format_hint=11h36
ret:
6h58
